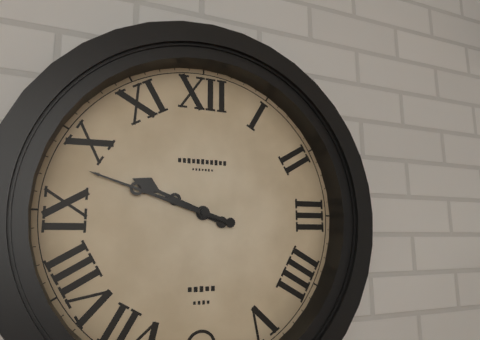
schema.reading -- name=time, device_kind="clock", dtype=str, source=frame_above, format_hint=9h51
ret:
9h48
